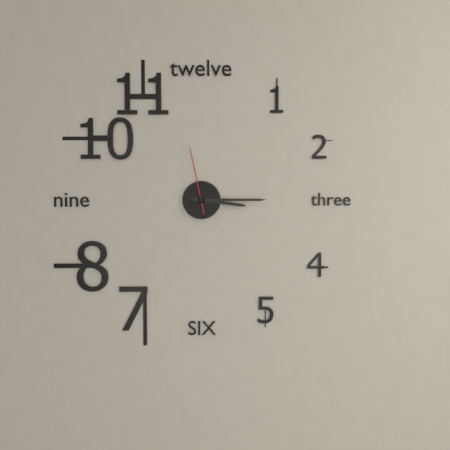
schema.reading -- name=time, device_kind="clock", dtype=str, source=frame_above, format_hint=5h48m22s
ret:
3h15m58s
